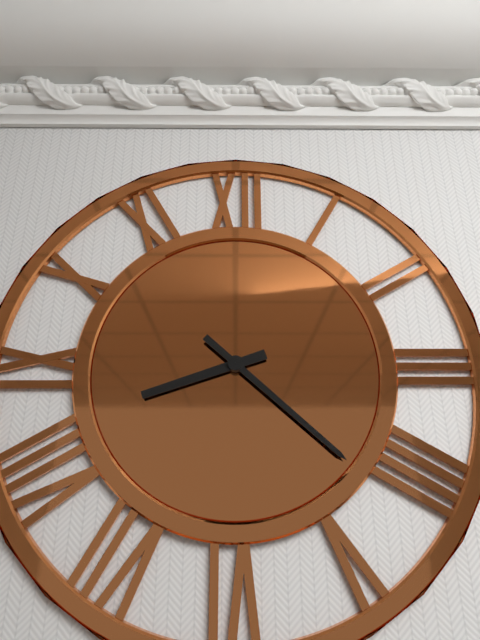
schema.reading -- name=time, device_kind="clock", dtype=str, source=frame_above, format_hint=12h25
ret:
8h22
